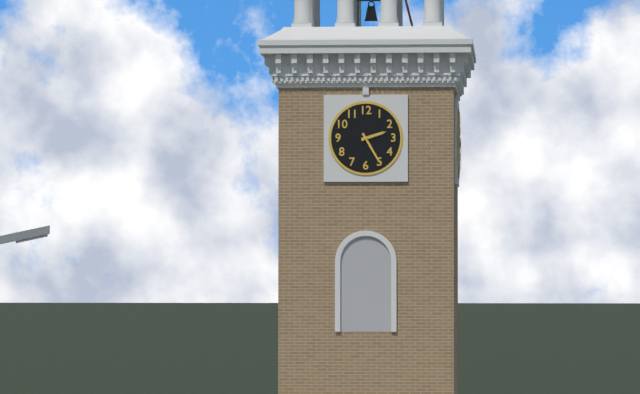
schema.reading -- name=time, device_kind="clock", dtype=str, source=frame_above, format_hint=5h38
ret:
2h25
